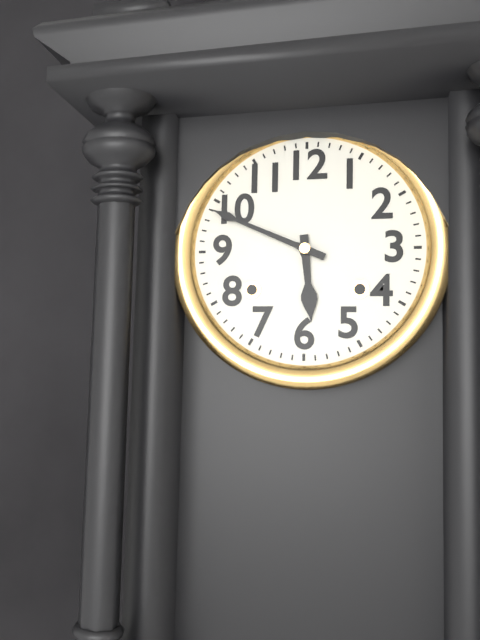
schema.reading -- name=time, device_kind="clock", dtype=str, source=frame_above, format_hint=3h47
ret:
5h49
